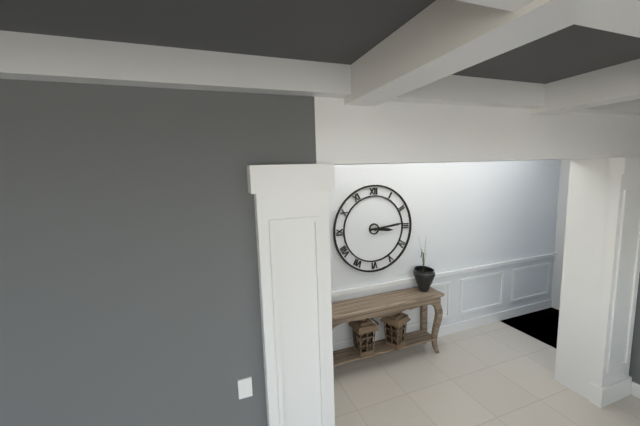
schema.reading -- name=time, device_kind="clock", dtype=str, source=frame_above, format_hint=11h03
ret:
3h14
